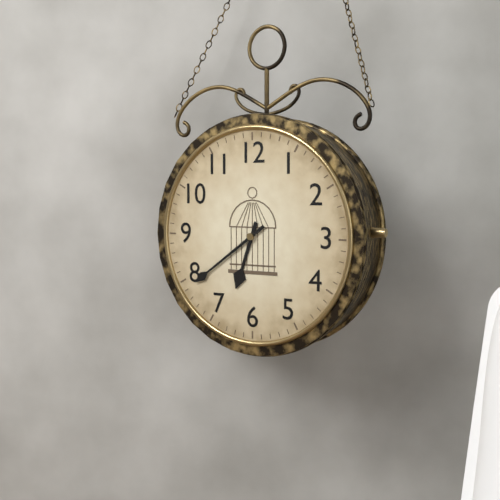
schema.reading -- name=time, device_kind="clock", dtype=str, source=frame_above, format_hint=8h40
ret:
6h39
